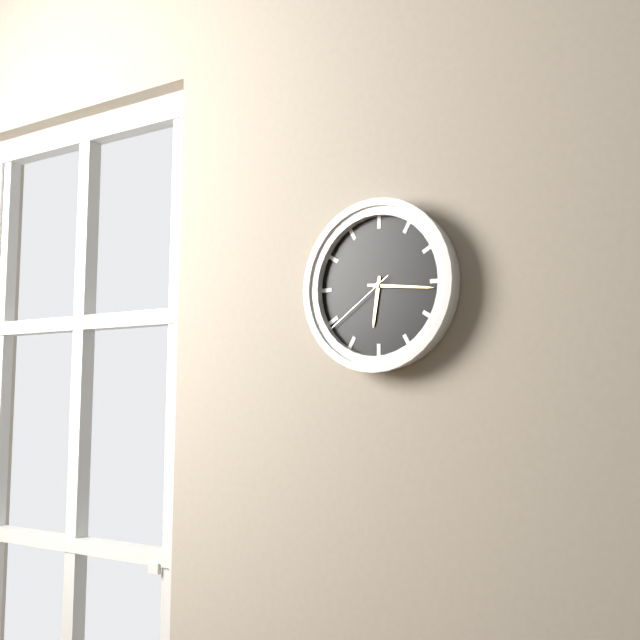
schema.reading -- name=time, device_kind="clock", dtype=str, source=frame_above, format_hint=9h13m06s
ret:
6h16m39s
